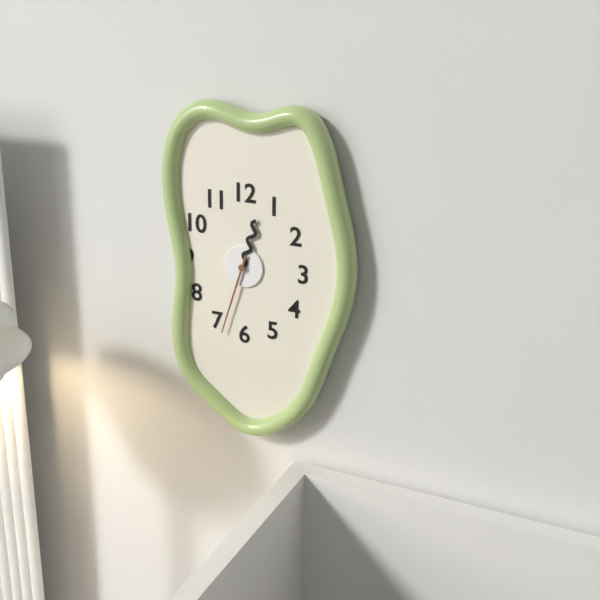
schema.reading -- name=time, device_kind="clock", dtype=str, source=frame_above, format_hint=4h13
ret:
12h33
